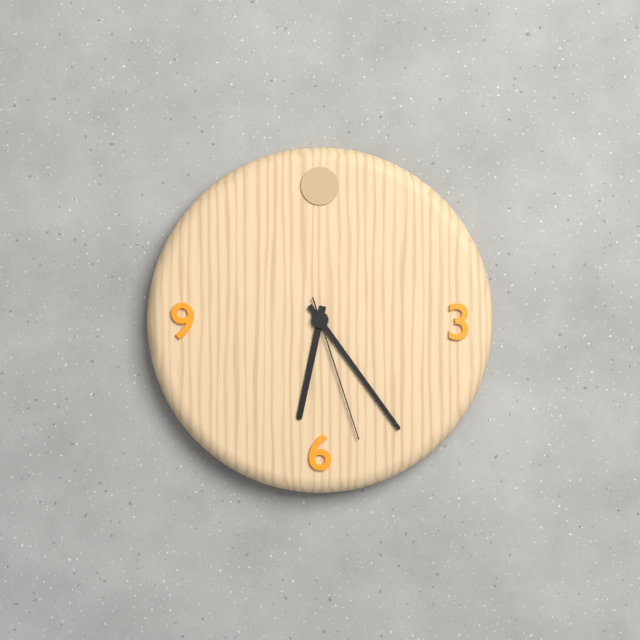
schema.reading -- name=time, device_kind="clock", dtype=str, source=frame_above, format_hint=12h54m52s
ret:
6h24m27s
